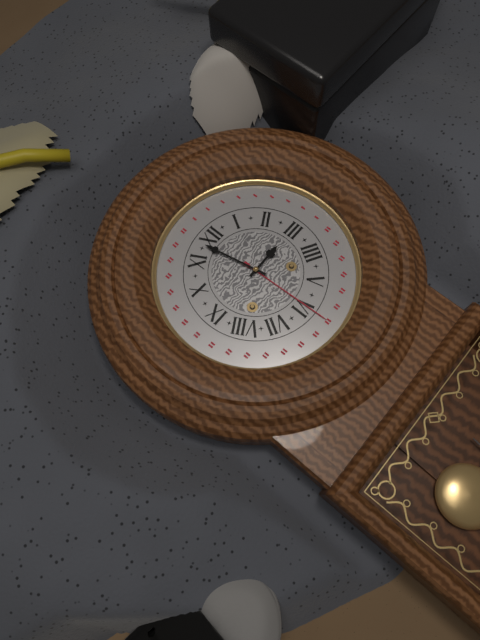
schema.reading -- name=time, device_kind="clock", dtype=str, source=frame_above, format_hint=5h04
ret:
2h58
